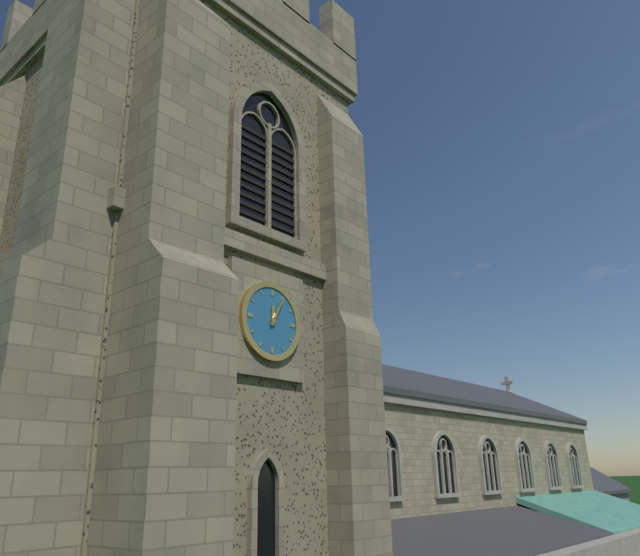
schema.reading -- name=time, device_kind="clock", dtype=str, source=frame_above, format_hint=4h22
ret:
12h05
